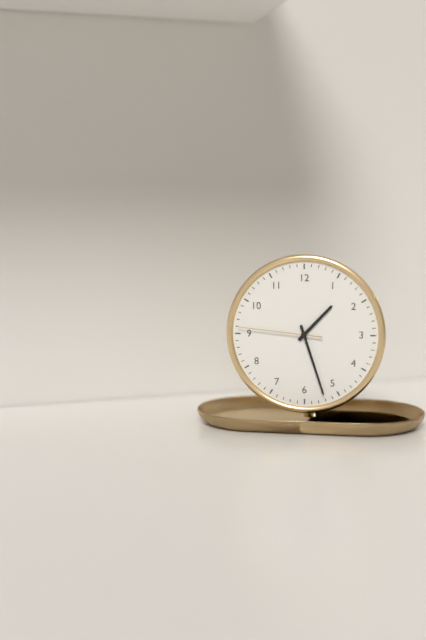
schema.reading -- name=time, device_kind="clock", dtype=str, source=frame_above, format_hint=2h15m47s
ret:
1h27m46s
